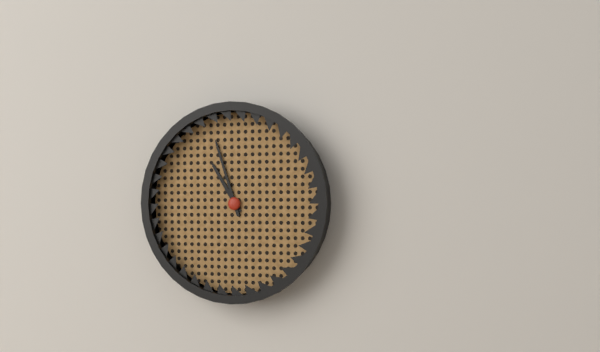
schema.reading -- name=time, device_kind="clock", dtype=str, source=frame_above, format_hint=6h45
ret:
10h57
